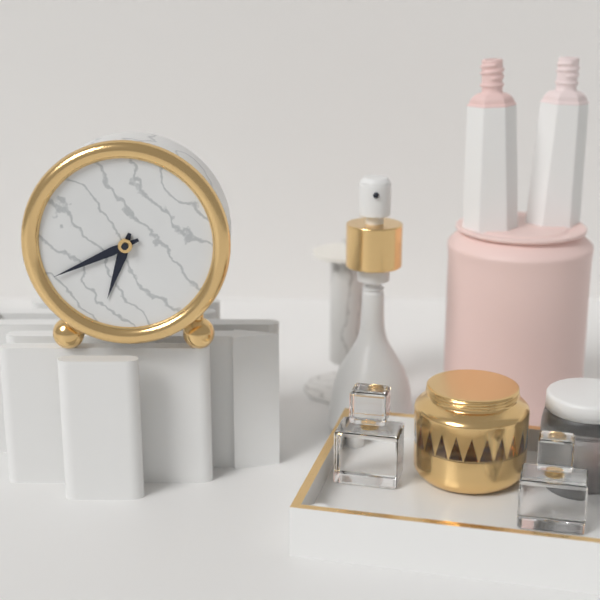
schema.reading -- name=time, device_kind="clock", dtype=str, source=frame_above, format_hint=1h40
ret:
6h41
